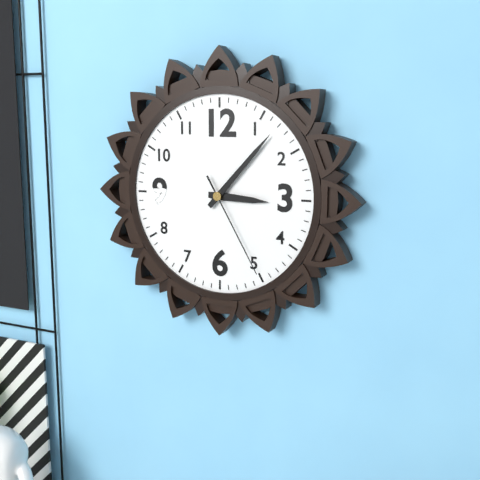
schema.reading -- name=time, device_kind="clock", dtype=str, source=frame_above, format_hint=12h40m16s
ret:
3h07m25s
